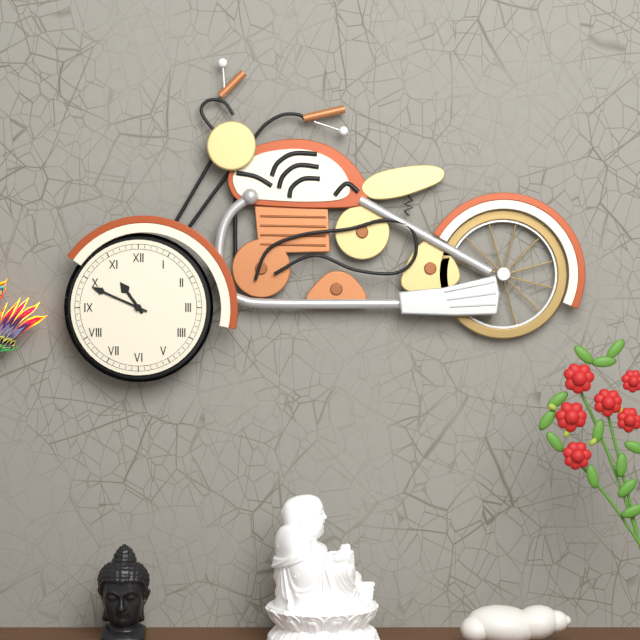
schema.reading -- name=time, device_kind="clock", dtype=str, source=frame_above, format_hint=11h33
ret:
10h49
